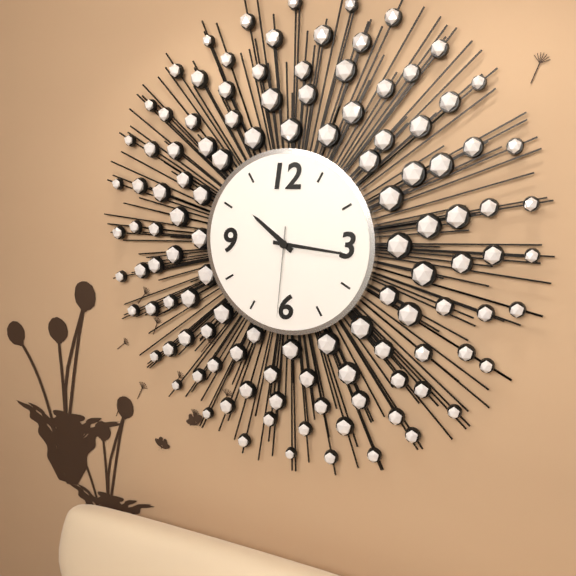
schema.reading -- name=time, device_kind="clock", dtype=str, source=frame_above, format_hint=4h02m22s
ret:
10h16m31s
